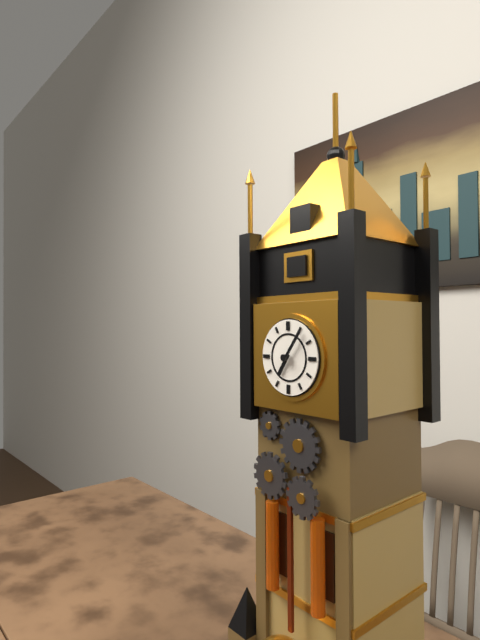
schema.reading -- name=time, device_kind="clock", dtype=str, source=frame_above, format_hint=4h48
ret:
7h06
